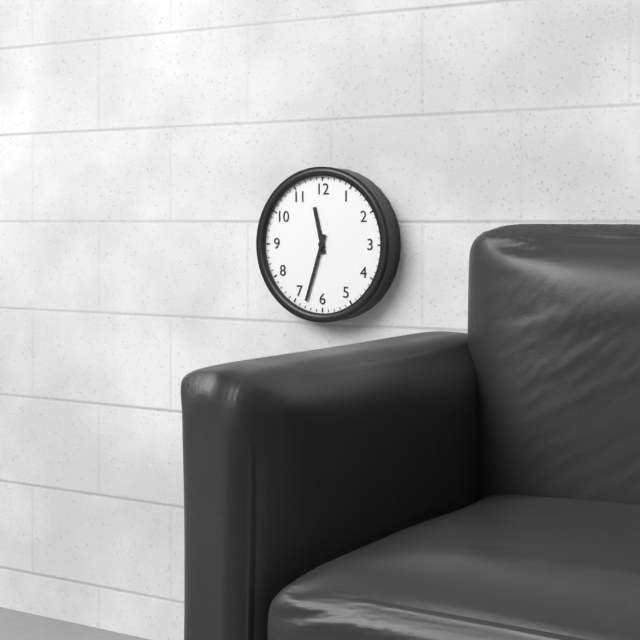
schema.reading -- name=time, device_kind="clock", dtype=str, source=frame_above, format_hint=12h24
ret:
11h33
